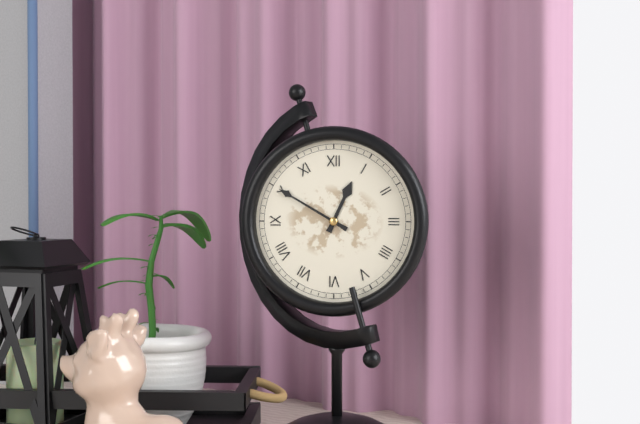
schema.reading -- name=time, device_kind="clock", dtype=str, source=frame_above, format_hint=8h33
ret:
12h50
